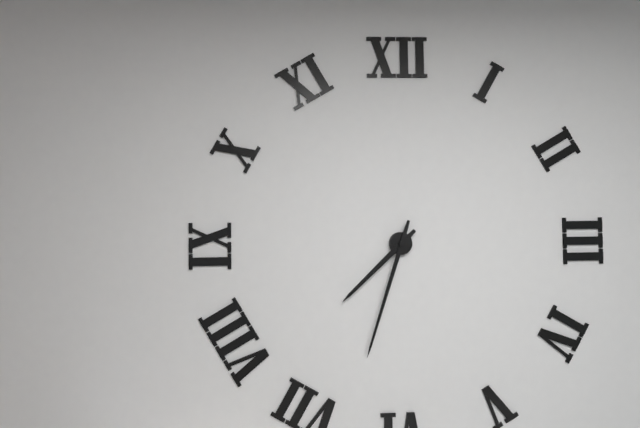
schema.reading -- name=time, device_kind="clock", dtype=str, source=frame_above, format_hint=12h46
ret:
7h33
